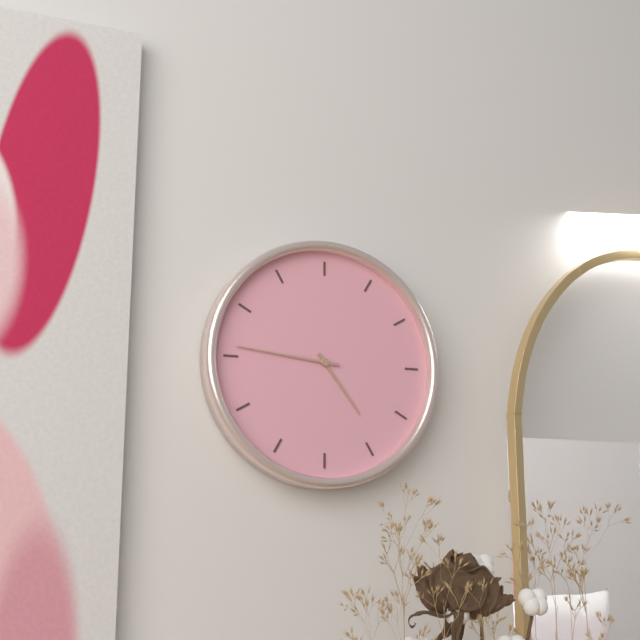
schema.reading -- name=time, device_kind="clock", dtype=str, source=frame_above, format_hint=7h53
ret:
4h46
